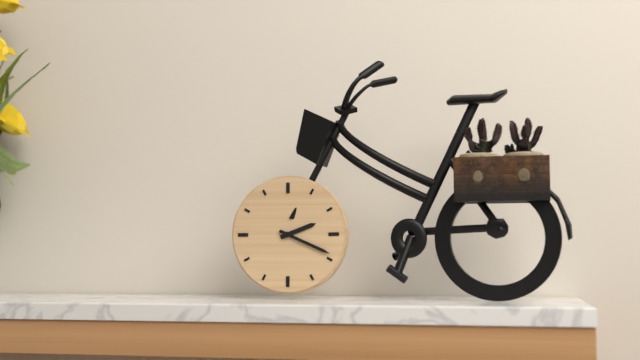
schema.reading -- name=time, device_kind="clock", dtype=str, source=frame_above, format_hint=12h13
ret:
2h19
